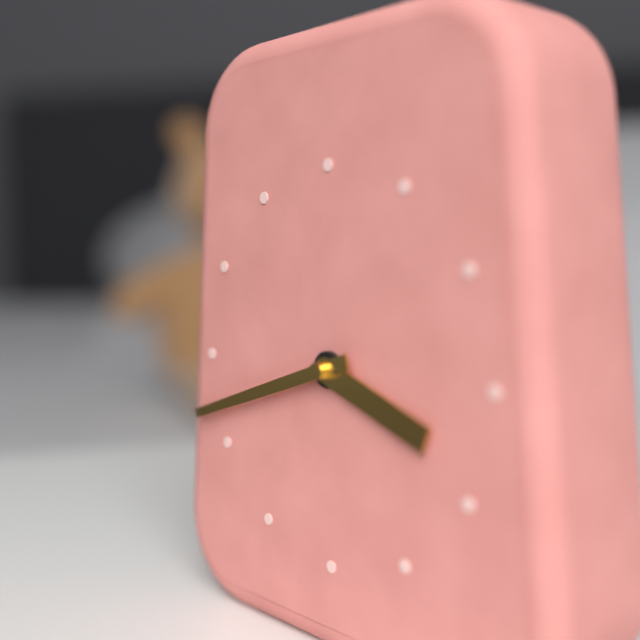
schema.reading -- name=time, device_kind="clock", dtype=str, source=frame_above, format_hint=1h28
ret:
3h42
